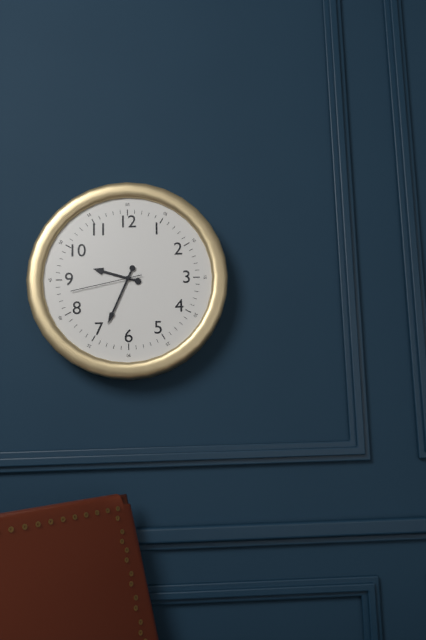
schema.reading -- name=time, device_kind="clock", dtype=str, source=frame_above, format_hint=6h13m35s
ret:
9h34m43s
